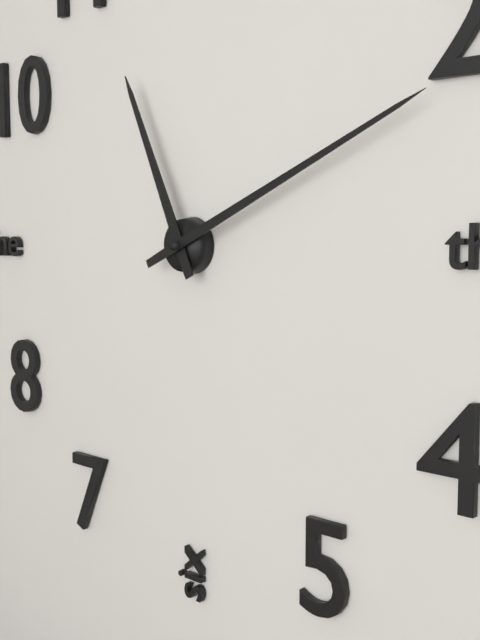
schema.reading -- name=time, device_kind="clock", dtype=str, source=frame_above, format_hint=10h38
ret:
11h11
